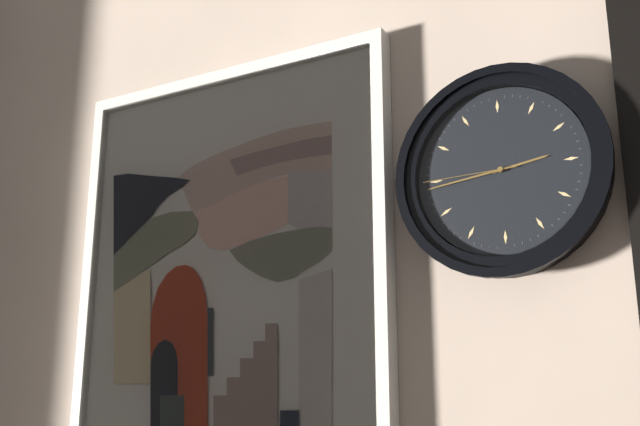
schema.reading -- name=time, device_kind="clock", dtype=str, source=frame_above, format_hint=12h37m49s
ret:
2h44m45s
